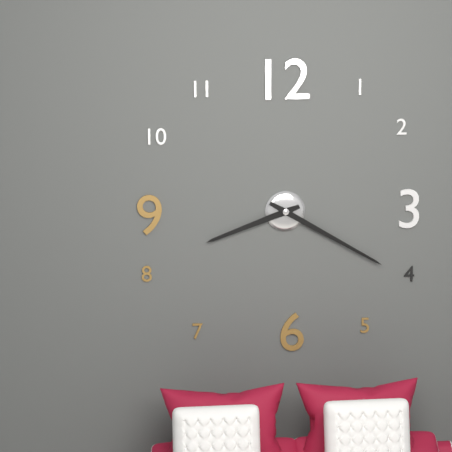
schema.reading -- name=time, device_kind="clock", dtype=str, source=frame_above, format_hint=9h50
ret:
8h20
